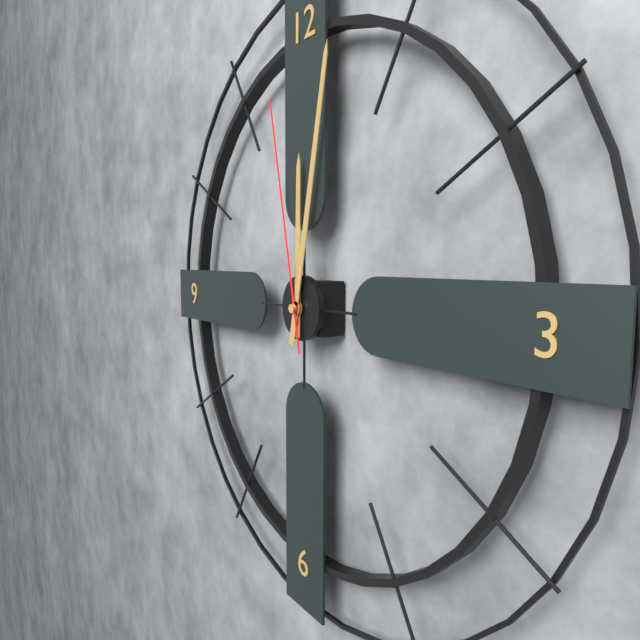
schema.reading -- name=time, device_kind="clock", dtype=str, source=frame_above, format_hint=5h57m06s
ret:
12h02m58s
